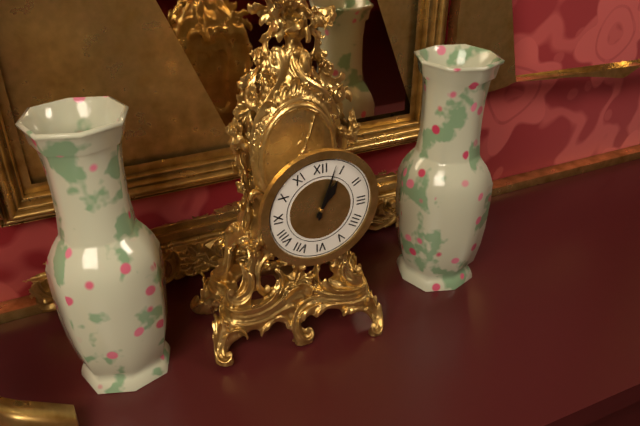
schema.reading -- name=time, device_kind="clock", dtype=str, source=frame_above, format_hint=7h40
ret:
1h03
